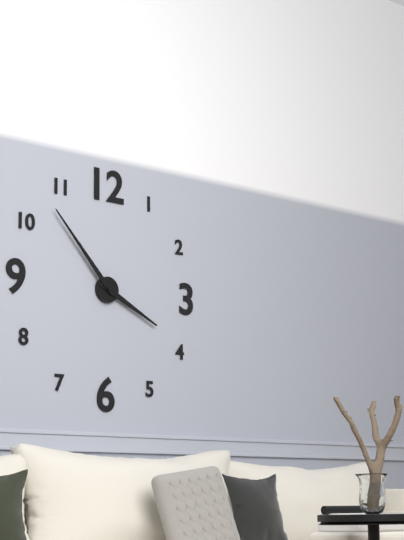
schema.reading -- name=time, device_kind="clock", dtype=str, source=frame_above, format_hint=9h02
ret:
3h53
